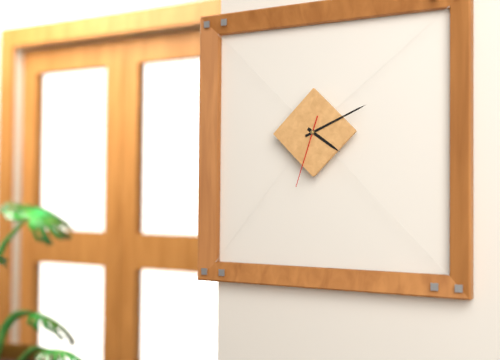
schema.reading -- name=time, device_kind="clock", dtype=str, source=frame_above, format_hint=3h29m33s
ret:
4h11m33s
